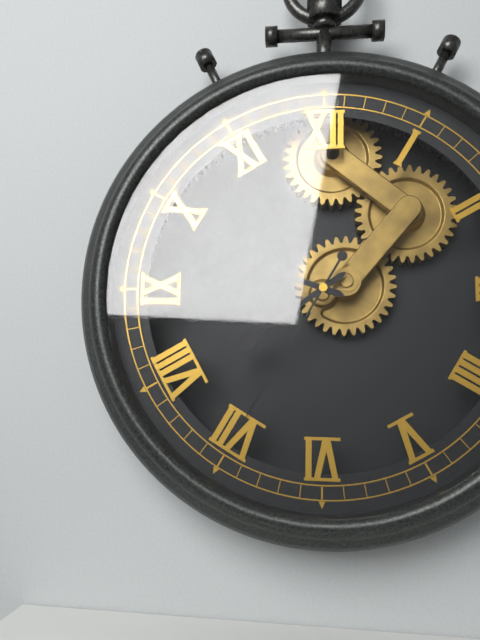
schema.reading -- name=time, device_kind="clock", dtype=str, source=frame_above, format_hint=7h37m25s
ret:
9h39m35s
